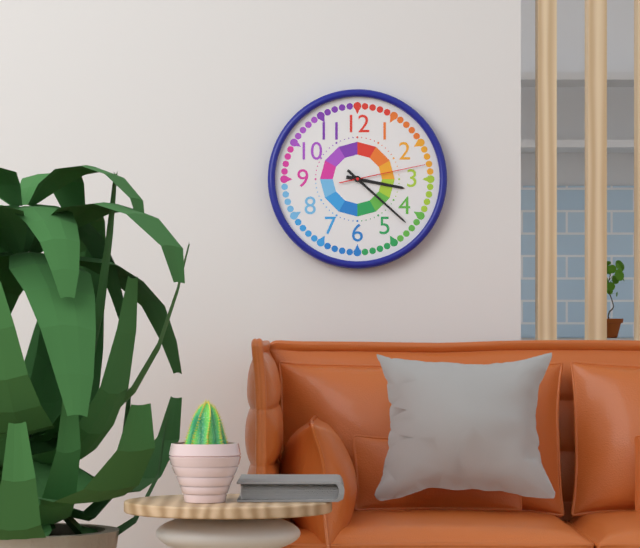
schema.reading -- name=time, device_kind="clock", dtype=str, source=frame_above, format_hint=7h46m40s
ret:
3h22m13s
